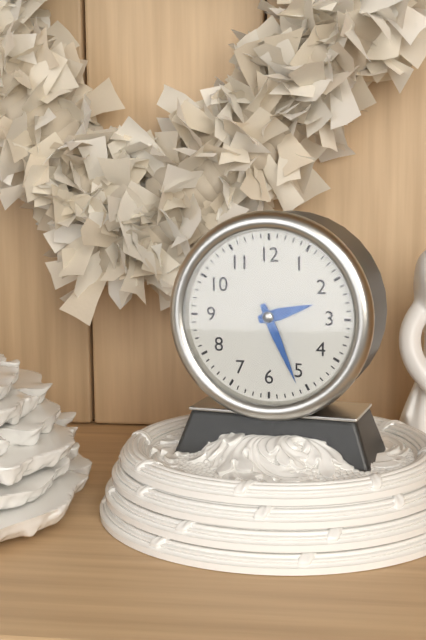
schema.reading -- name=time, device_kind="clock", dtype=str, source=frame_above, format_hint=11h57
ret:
2h26
